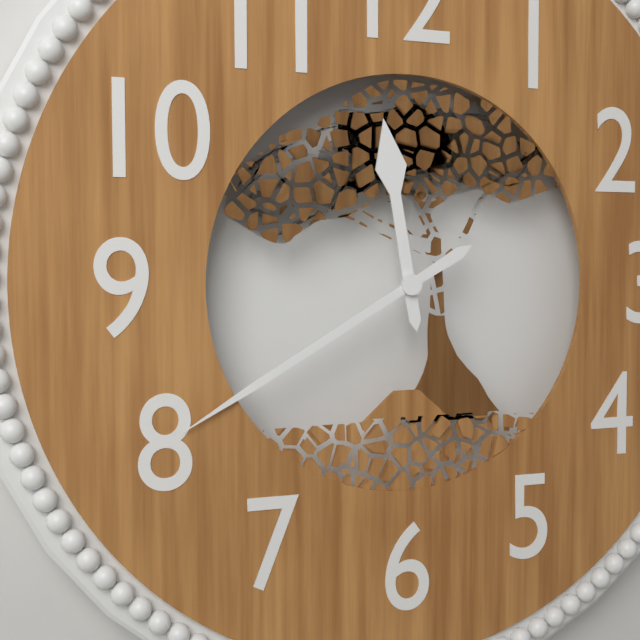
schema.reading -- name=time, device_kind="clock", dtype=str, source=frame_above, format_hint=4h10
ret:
11h40
